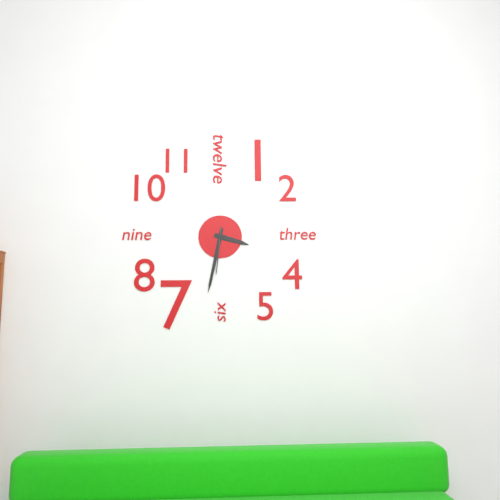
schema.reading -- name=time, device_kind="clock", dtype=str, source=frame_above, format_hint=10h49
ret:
3h32
